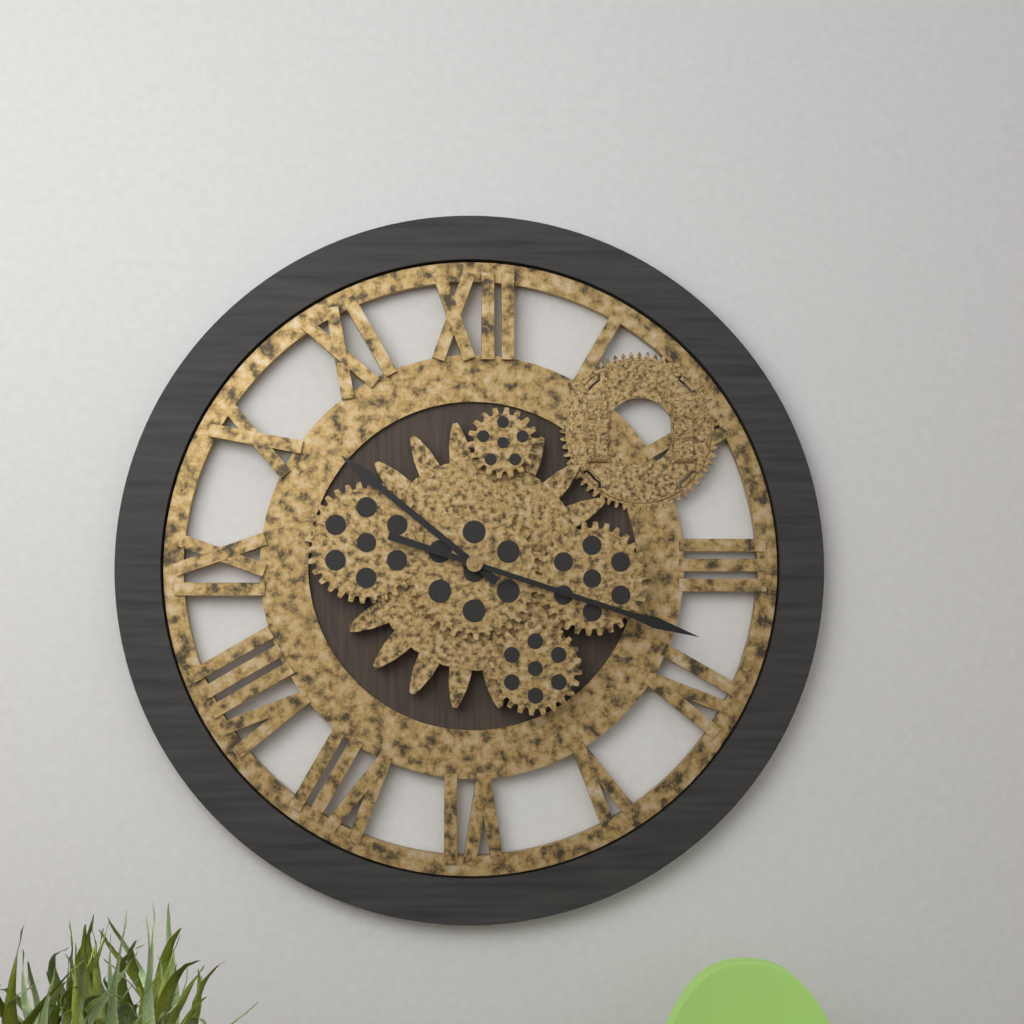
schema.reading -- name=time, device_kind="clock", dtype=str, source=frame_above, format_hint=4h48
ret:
10h18
